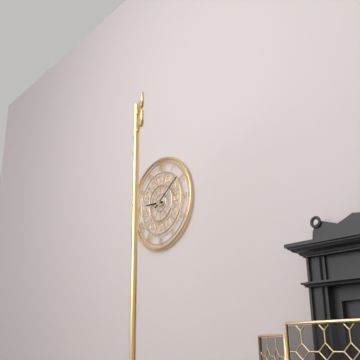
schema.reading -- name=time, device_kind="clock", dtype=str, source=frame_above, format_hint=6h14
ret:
9h09
